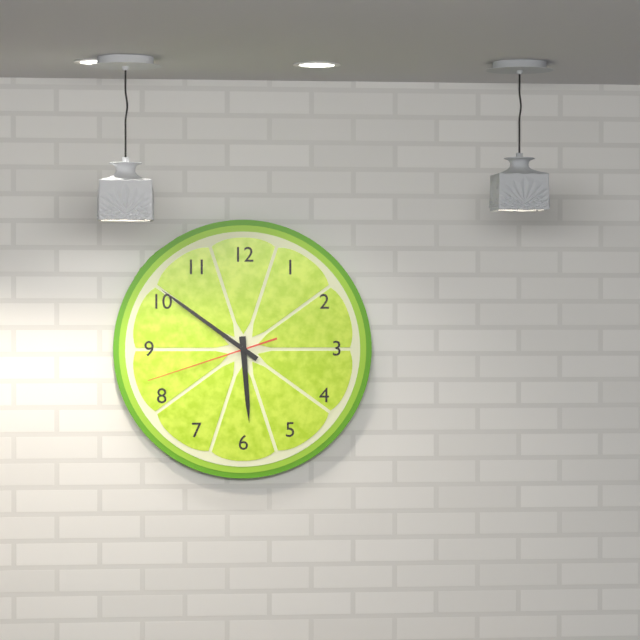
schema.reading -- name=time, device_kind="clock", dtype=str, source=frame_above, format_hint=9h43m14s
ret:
5h51m42s
